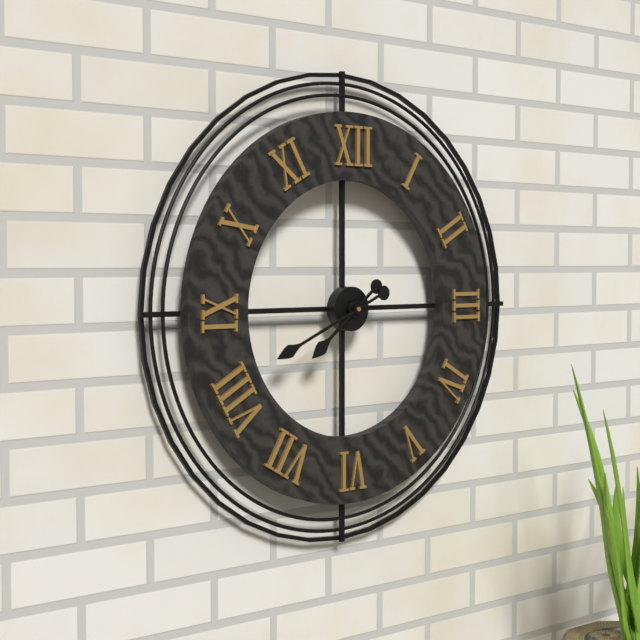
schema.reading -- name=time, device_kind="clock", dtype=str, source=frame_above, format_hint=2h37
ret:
7h41
